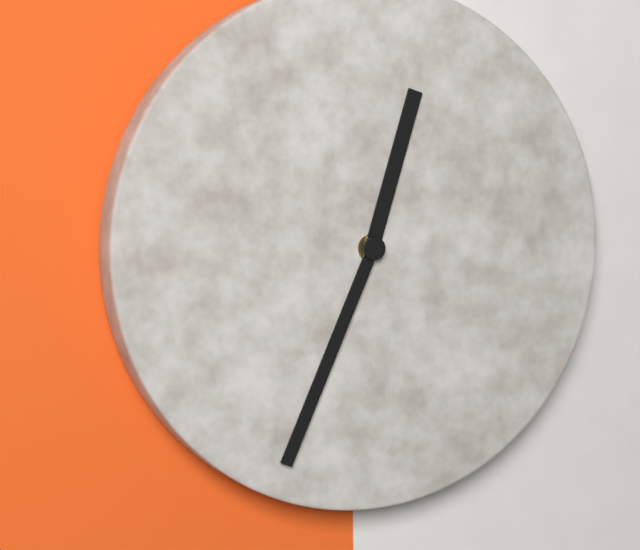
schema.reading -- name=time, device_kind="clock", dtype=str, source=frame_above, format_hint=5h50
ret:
12h34
